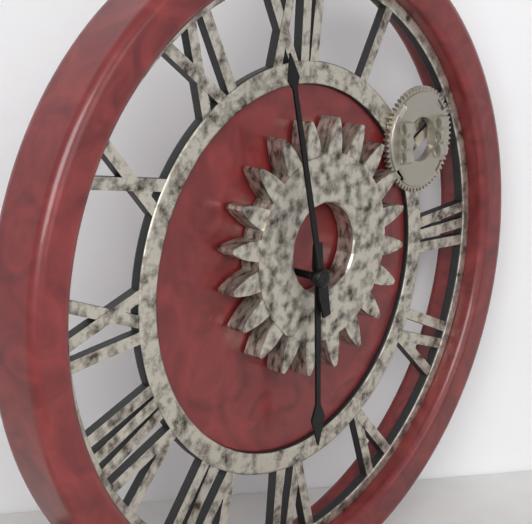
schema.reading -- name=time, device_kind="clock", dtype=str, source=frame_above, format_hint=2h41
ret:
5h58
